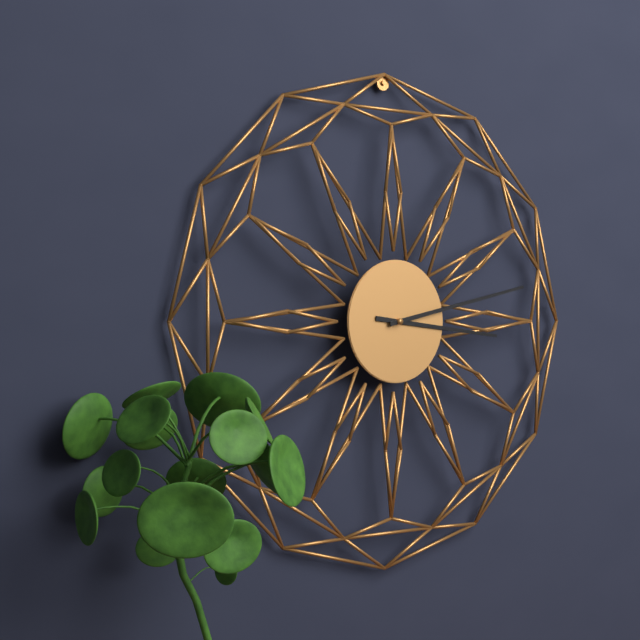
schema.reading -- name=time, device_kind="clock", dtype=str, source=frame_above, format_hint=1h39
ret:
3h13
